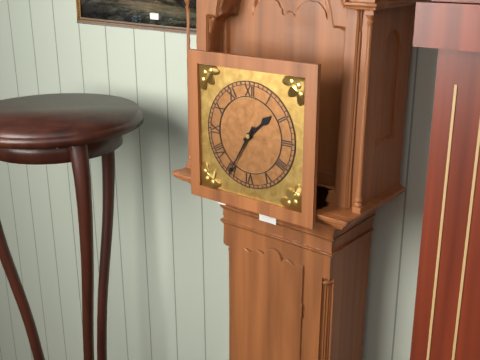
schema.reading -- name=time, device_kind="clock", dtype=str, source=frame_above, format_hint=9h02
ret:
1h35
